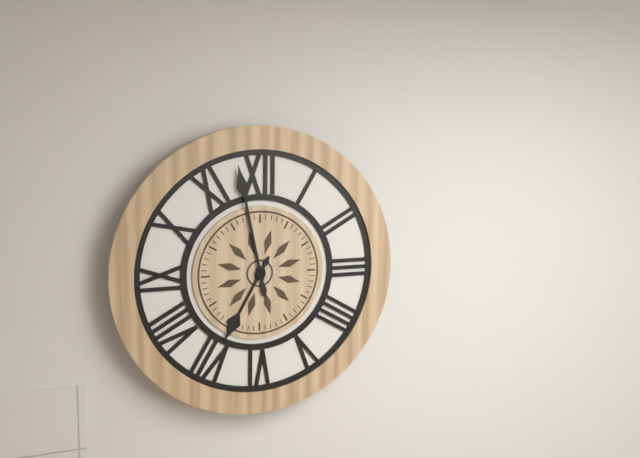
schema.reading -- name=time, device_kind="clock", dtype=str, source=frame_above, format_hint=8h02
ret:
6h58
